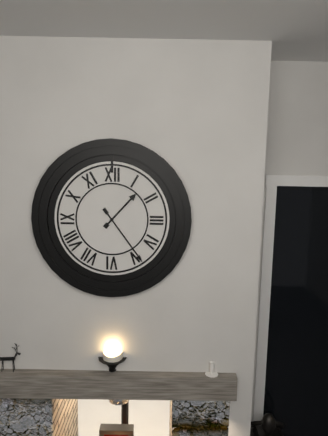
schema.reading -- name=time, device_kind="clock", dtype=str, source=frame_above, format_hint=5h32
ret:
1h24
